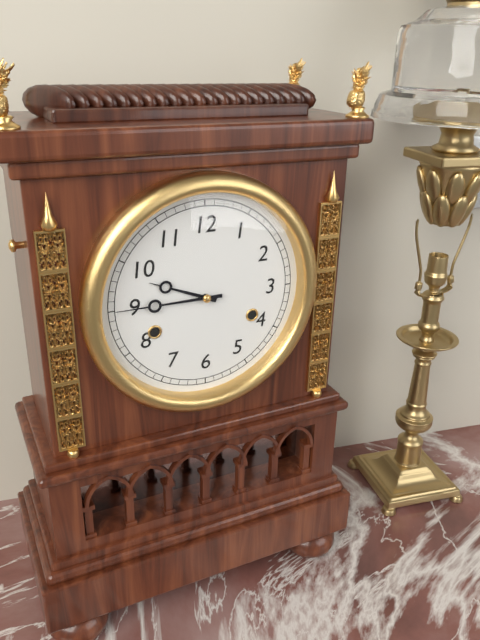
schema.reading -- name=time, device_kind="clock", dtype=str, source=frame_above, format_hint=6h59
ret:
9h45
